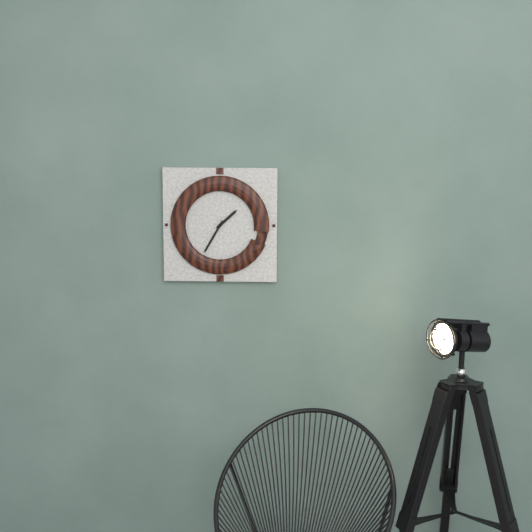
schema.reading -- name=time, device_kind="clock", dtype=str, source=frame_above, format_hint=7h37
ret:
1h35
